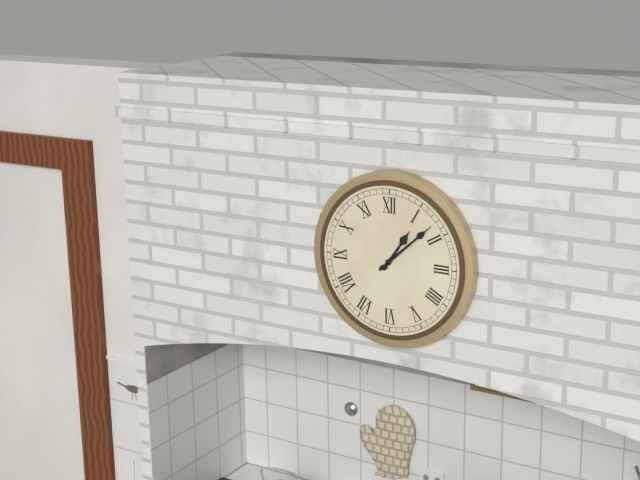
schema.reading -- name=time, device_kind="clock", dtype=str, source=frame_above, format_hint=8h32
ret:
1h08
